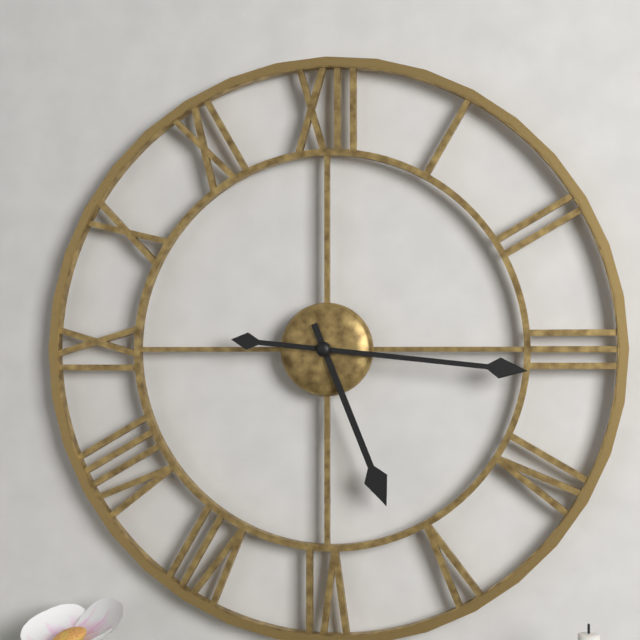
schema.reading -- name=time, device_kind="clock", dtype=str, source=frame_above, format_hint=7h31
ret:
5h16
